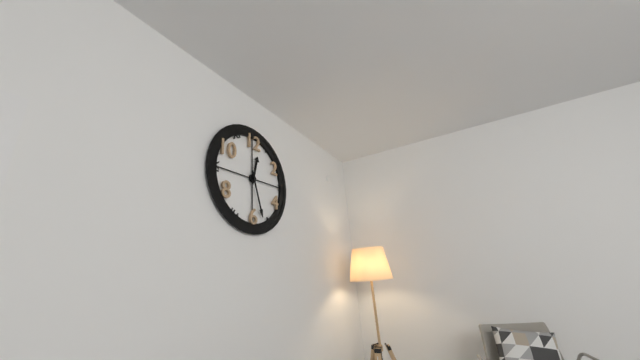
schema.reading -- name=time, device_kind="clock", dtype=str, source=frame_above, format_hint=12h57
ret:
12h27
